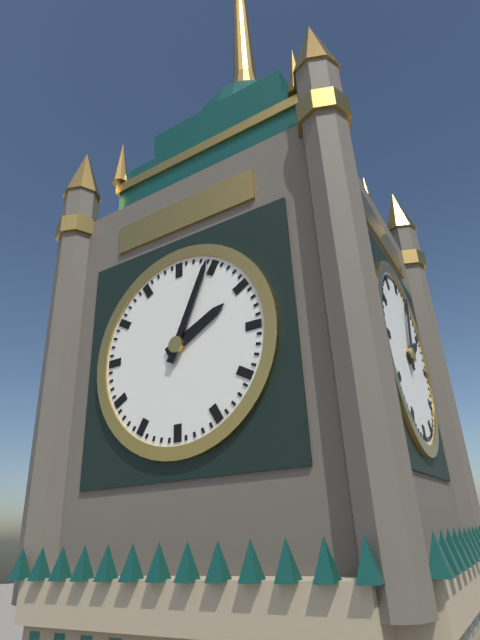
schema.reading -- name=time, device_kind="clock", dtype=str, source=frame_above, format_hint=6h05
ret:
2h04
